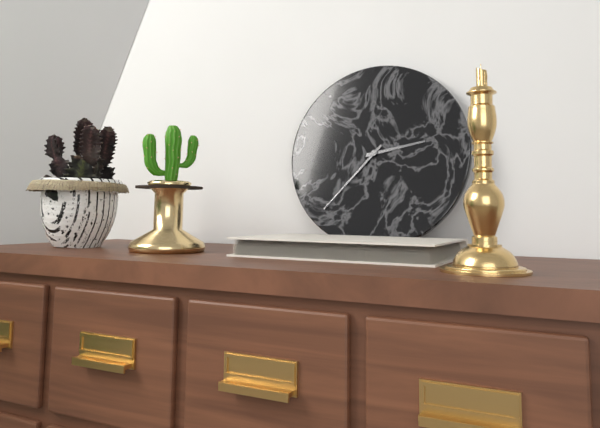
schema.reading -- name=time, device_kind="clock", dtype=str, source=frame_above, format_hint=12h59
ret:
2h37
